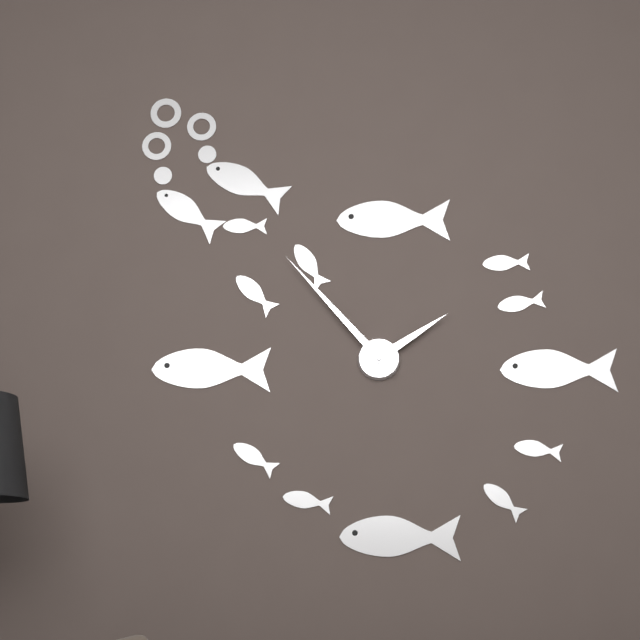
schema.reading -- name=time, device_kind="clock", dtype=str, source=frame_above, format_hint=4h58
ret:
1h53
